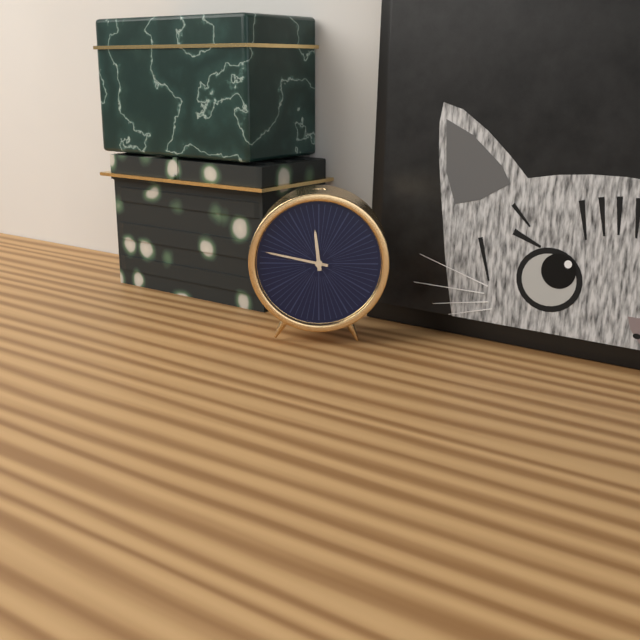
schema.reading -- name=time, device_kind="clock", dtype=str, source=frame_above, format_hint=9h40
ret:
11h47
